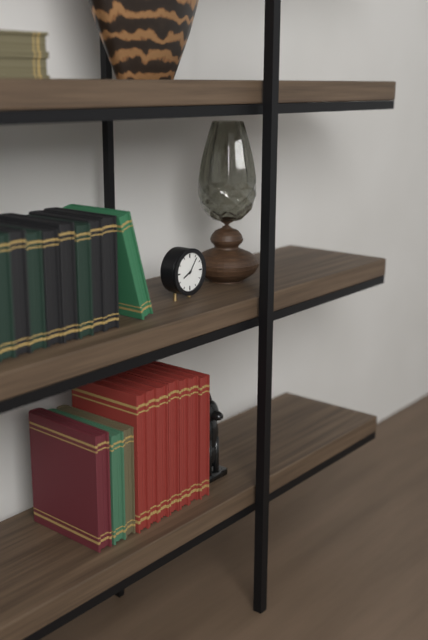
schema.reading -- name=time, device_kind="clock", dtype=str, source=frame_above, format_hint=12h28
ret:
8h06
